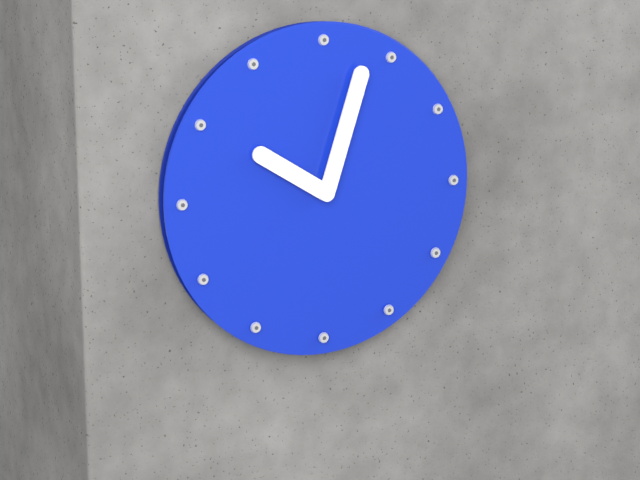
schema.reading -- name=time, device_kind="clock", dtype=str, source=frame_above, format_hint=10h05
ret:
10h03
